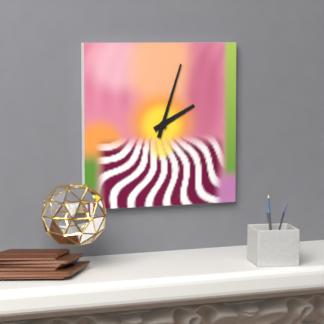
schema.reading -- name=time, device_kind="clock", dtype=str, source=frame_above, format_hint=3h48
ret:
2h03
